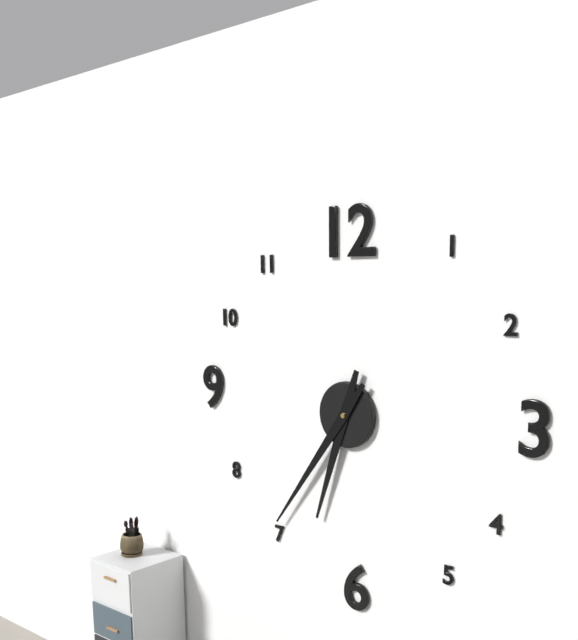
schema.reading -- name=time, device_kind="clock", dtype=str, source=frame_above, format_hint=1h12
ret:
6h36
